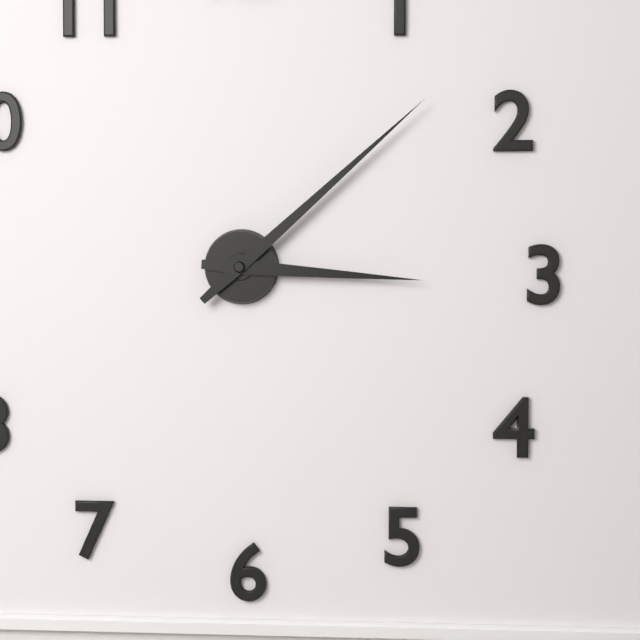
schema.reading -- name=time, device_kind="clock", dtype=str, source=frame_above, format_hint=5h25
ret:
3h08
